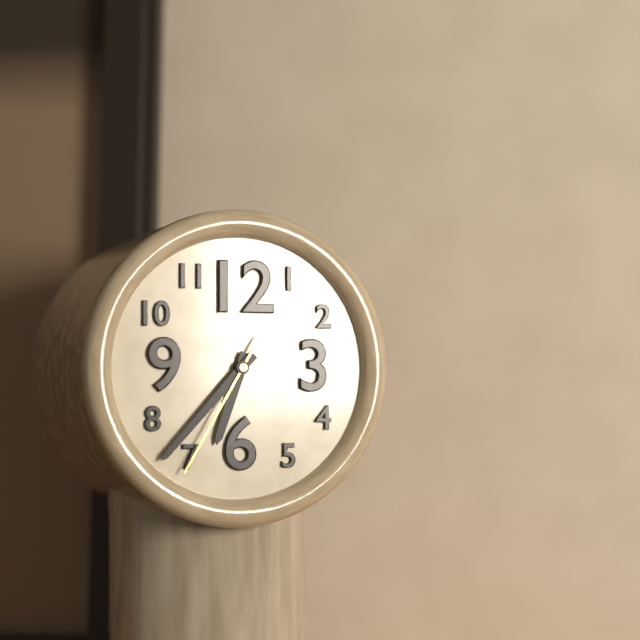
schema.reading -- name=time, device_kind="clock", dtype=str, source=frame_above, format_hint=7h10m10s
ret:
6h37m35s
